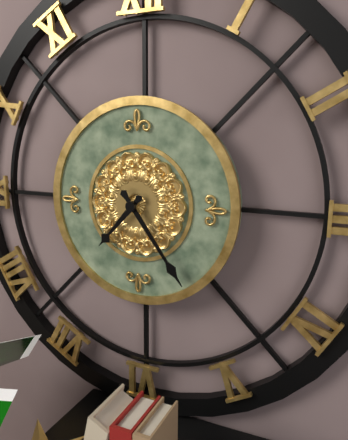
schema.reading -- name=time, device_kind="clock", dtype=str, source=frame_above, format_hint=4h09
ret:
7h24
